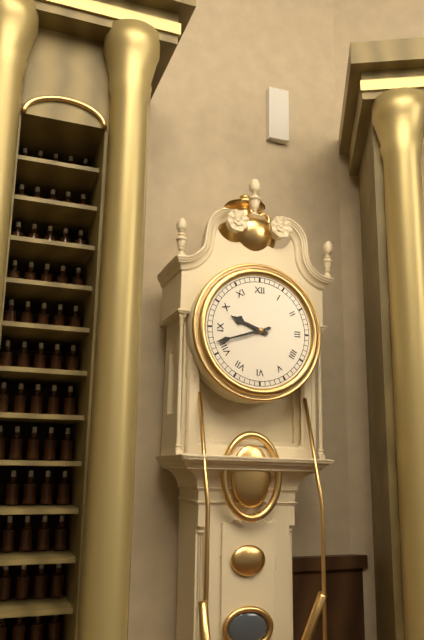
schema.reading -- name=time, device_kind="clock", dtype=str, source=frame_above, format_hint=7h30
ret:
9h42
